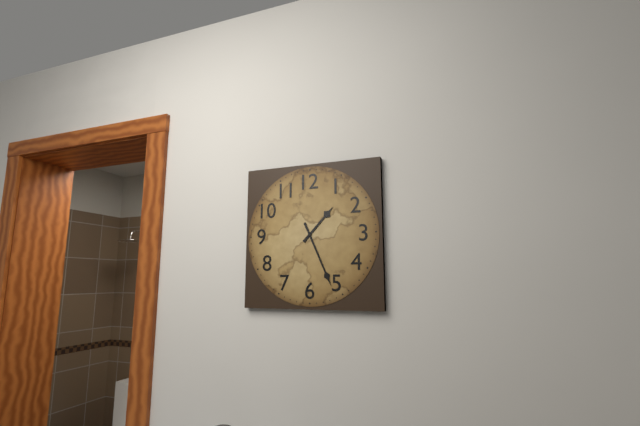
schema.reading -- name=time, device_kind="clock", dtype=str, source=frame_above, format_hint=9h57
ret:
1h26
